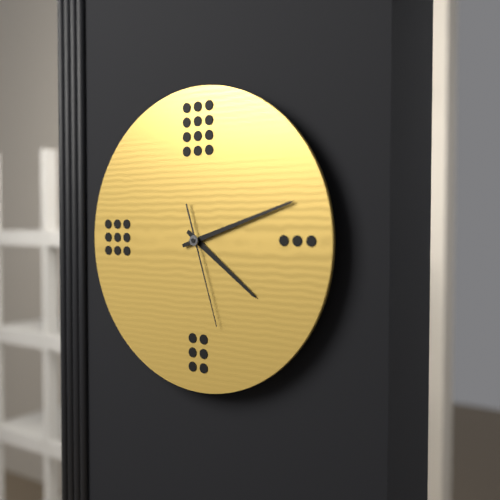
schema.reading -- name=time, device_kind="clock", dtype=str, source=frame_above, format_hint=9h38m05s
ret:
4h12m27s
